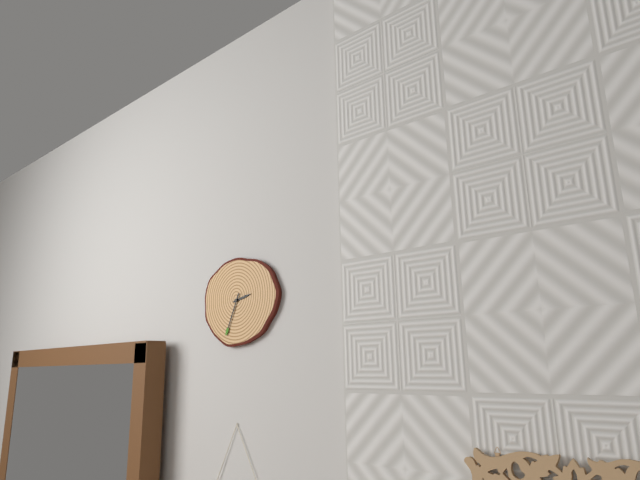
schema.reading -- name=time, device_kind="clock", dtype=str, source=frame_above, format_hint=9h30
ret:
2h34
